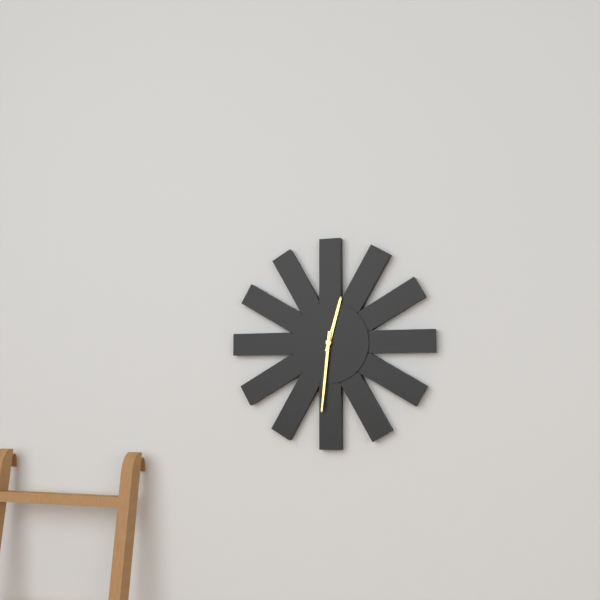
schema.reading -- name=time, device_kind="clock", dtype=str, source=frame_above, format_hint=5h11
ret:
12h31
